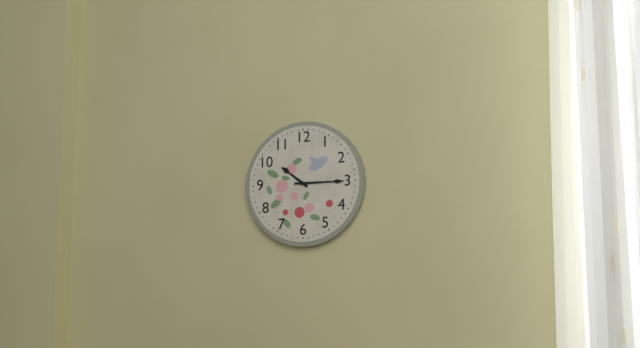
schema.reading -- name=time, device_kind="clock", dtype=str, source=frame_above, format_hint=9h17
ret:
10h15
